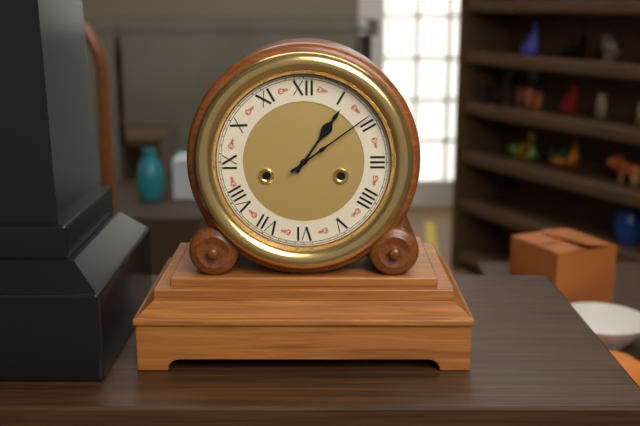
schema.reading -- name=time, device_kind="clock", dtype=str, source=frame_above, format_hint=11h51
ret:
1h09
